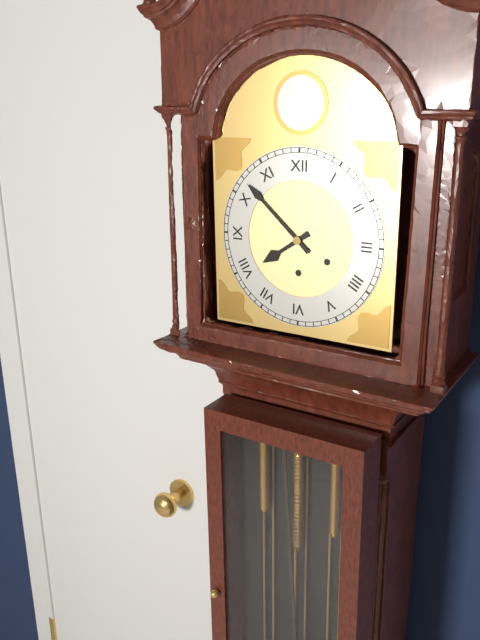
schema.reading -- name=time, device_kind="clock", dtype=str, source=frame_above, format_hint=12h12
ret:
7h52
